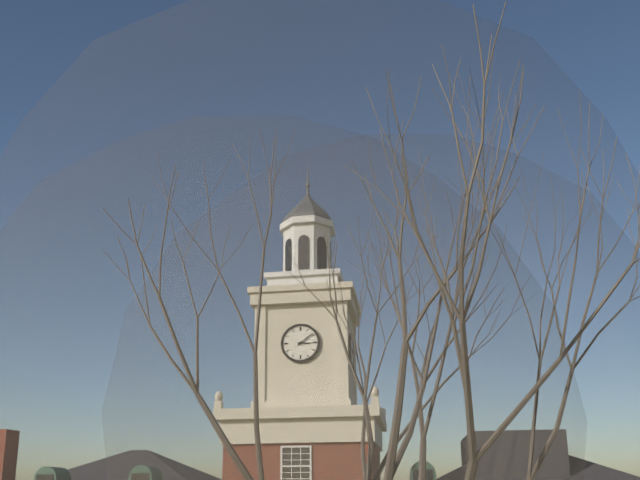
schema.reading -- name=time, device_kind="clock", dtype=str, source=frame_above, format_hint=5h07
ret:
3h09
